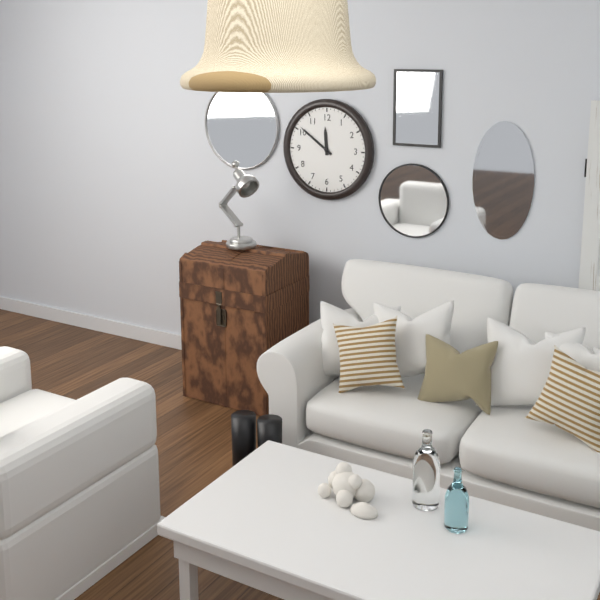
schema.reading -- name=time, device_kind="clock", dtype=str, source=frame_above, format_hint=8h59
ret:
11h51
